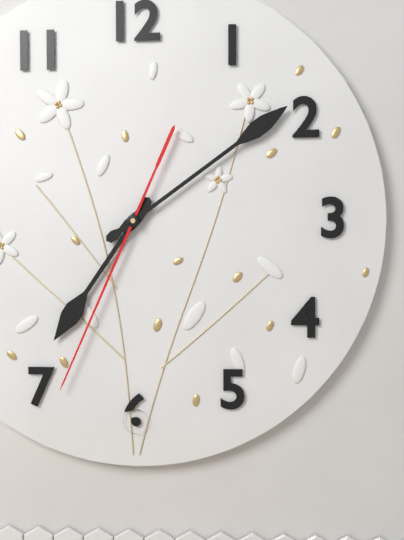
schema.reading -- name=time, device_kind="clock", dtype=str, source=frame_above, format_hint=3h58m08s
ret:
7h09m34s
